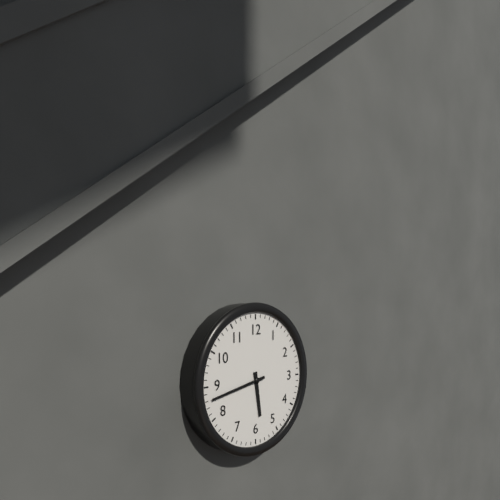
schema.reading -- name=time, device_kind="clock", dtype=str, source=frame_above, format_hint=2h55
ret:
5h43
